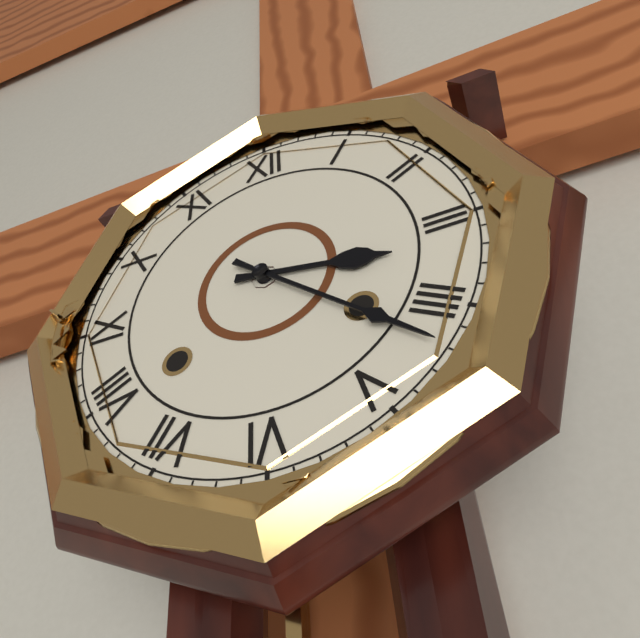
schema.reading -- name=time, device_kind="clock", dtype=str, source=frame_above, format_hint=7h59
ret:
3h22
